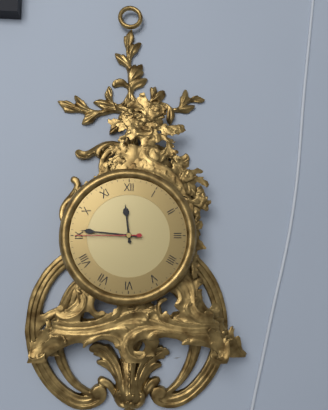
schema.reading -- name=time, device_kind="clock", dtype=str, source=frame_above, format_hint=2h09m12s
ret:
11h46m45s
